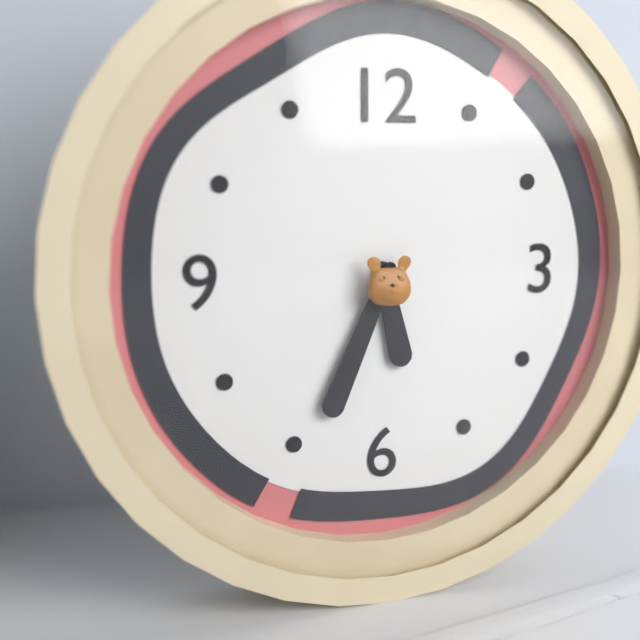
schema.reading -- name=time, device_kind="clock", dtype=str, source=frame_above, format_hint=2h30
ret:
5h34
